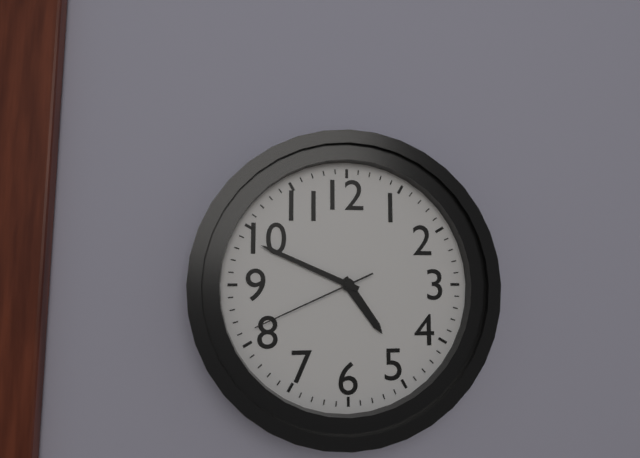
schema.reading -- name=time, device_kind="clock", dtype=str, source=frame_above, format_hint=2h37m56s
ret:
4h49m41s
